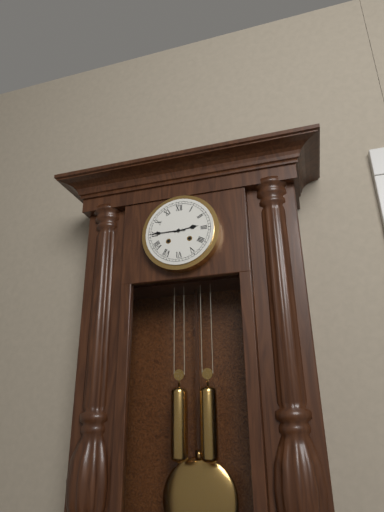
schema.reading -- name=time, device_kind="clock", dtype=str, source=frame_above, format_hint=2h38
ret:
2h45
